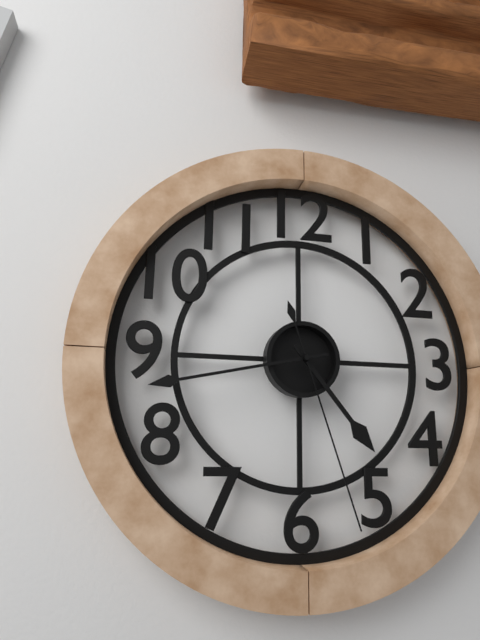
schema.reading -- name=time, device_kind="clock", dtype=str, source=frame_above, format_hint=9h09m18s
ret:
4h43m27s
